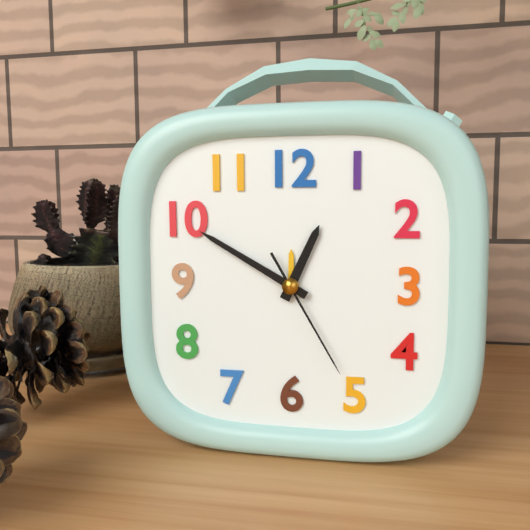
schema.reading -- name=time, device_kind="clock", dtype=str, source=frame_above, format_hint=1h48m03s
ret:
12h50m25s
